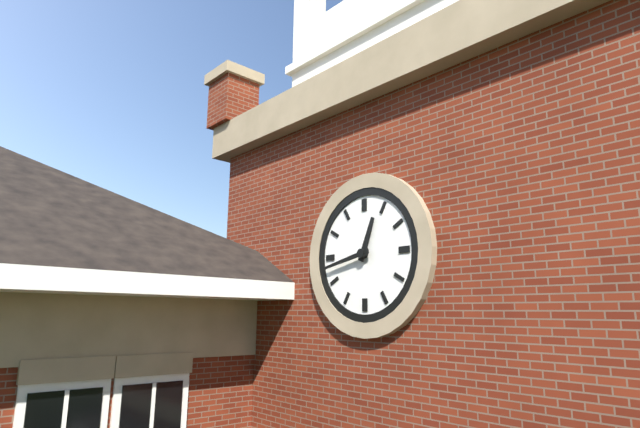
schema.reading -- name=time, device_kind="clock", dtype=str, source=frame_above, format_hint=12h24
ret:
12h43
